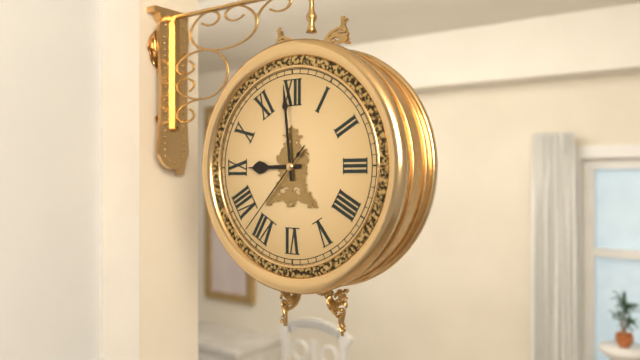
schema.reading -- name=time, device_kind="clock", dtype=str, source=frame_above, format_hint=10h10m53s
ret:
8h59m37s
